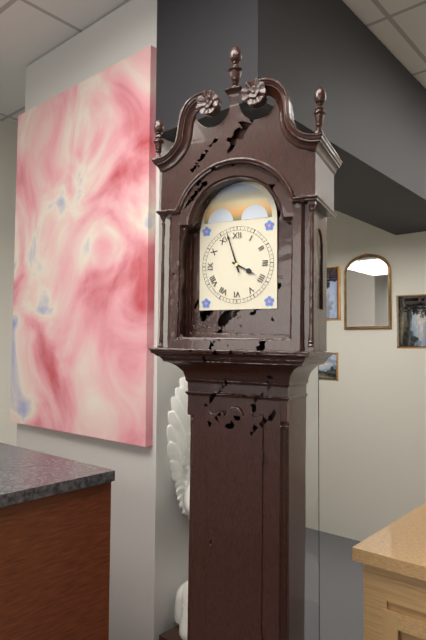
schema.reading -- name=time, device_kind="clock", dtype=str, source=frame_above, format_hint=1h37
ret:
3h57
